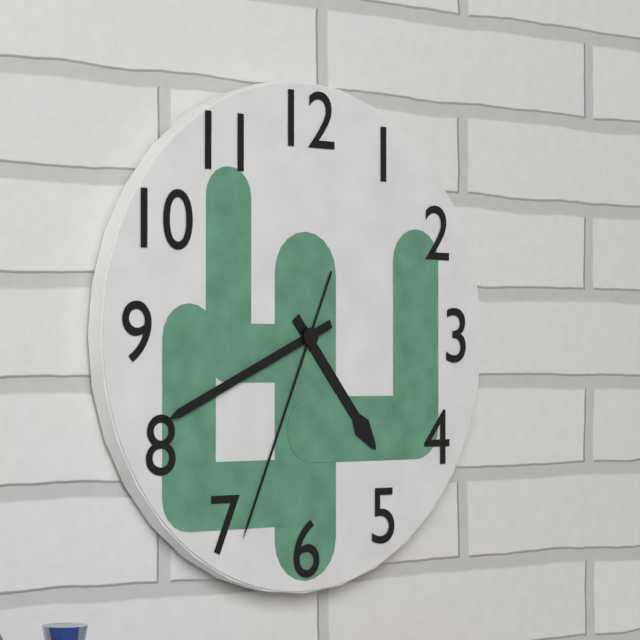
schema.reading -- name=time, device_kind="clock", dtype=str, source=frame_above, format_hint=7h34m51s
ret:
4h41m34s
